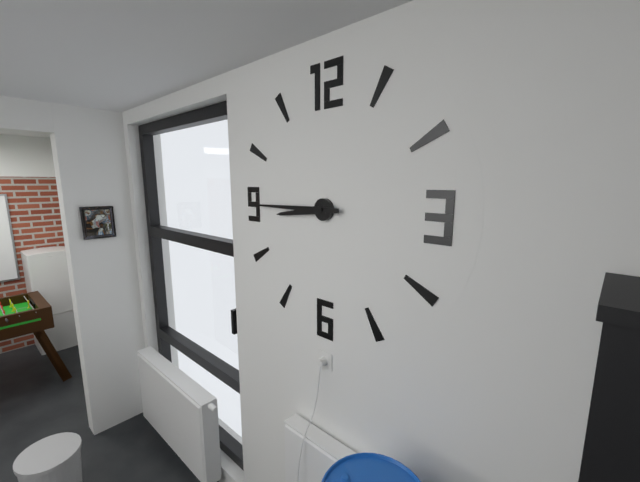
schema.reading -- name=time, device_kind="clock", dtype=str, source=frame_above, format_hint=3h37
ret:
8h45
